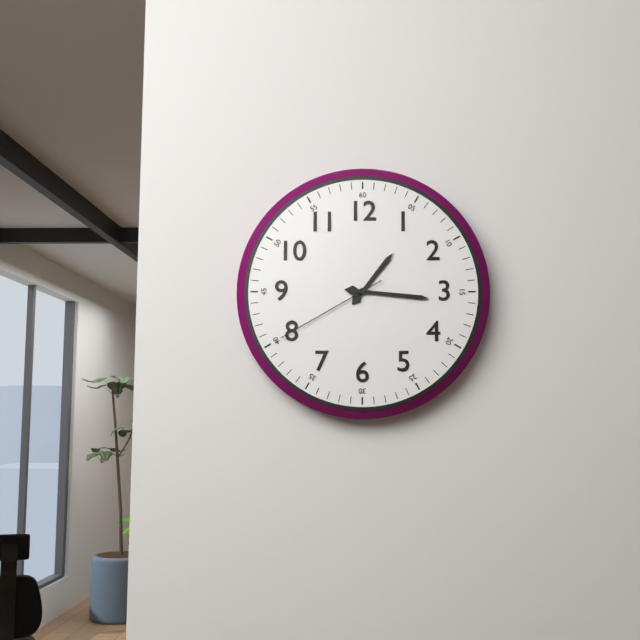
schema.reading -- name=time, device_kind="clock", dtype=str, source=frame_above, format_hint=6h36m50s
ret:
1h16m40s
